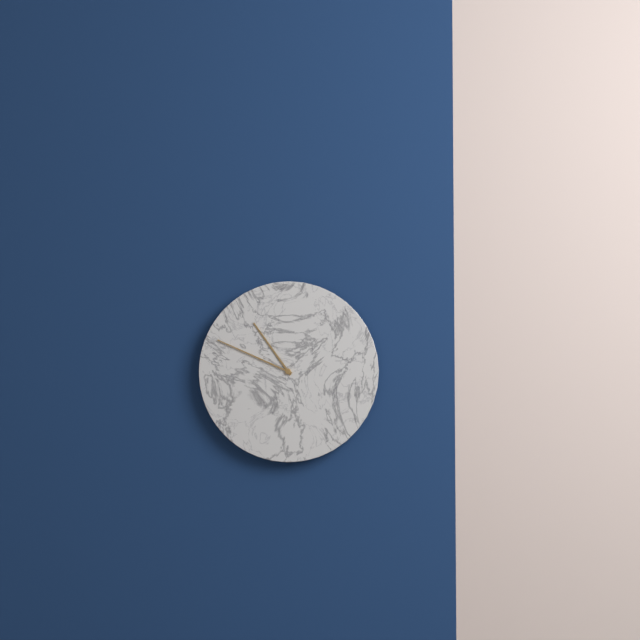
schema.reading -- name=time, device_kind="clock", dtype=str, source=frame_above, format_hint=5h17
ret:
10h49
